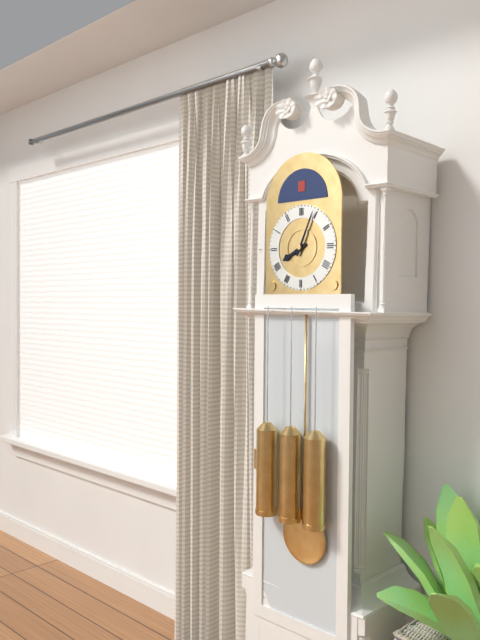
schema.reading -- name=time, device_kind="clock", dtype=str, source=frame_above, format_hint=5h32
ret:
8h04
